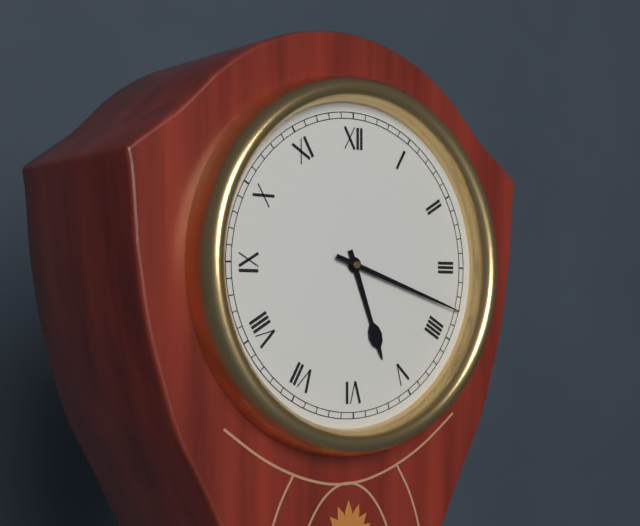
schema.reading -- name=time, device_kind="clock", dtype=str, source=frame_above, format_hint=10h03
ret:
5h18
